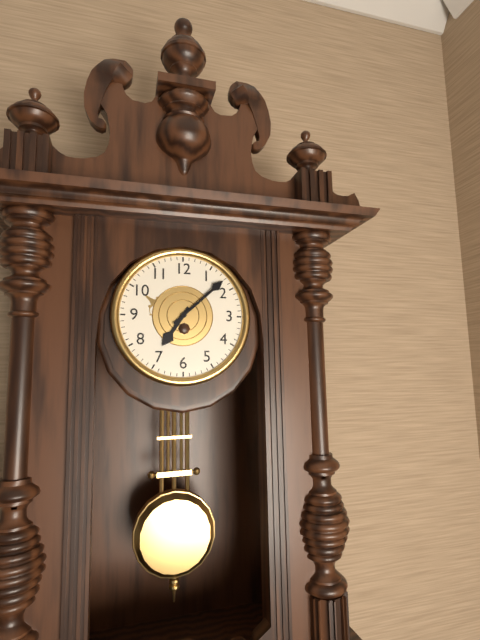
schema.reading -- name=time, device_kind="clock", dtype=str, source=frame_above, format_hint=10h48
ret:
7h08
